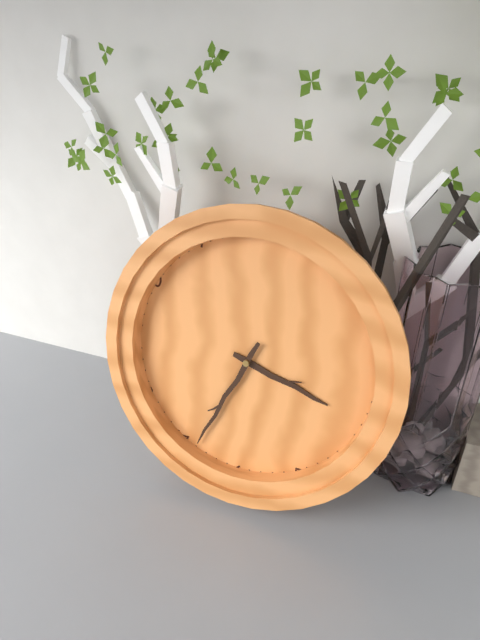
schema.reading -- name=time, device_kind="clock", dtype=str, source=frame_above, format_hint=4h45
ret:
3h34
